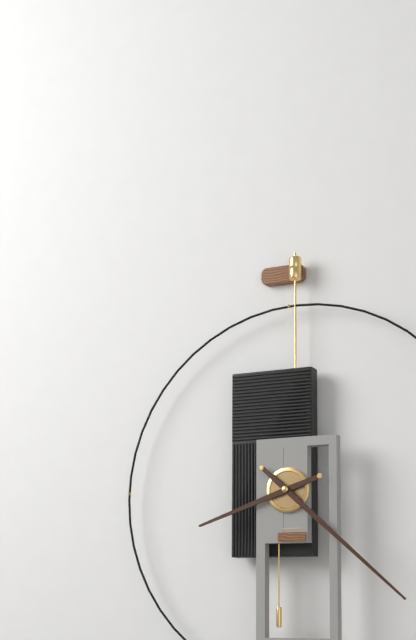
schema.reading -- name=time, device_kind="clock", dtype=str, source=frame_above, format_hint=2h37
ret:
8h22
